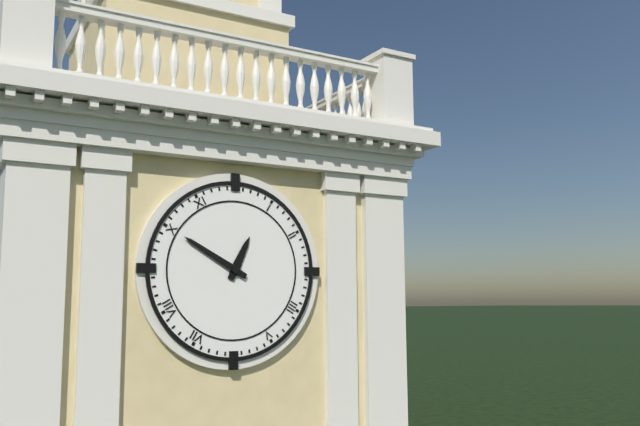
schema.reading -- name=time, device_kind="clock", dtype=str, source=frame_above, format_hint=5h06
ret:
12h50
